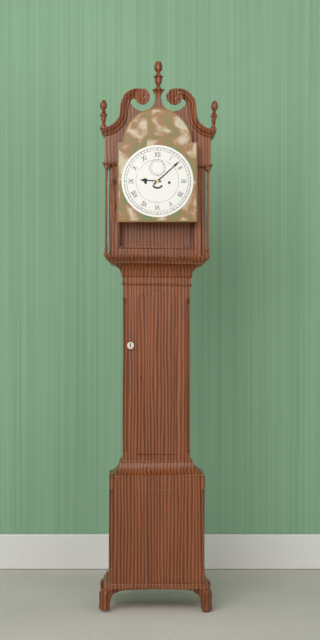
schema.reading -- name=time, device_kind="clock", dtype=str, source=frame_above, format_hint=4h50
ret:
9h08
